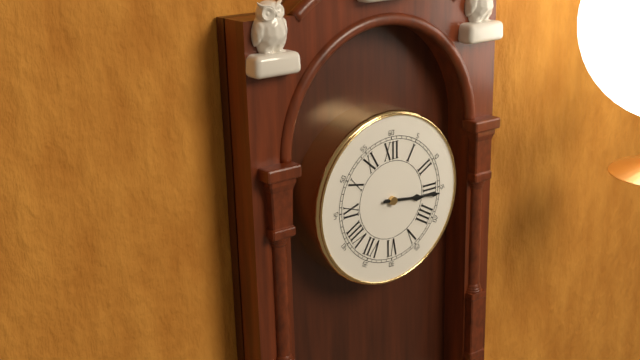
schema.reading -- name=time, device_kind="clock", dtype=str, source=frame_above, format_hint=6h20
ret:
3h16
